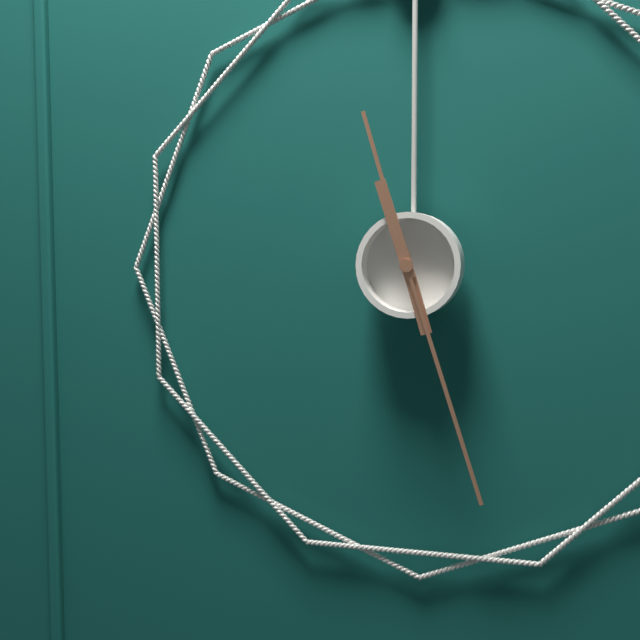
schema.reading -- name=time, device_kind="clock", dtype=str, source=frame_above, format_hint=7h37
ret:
11h27
